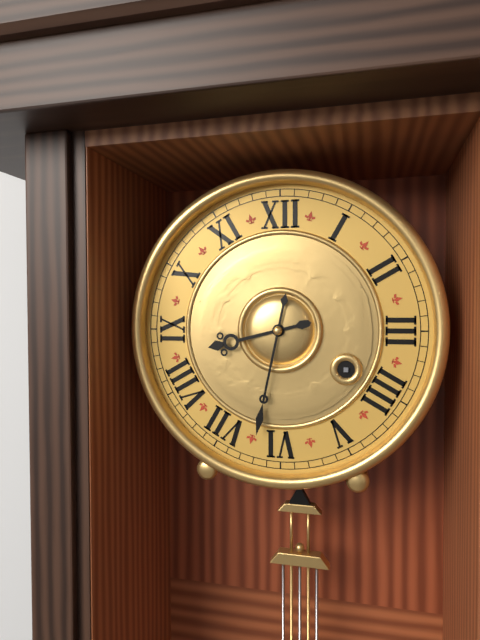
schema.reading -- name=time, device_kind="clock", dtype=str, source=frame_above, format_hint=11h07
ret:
8h32
